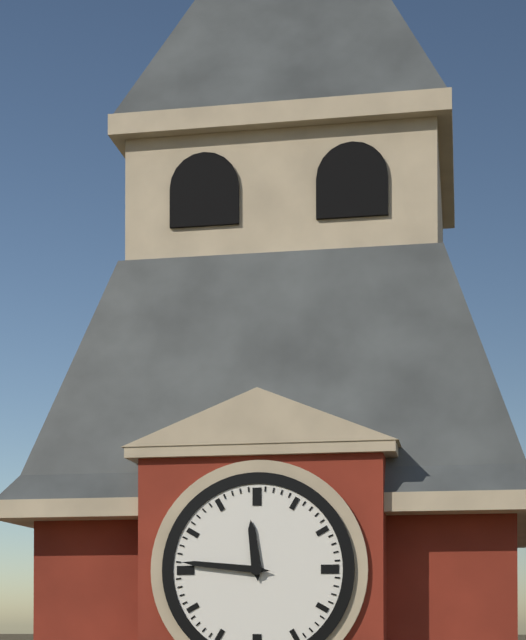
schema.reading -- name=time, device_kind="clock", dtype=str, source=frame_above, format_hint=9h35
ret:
11h46
